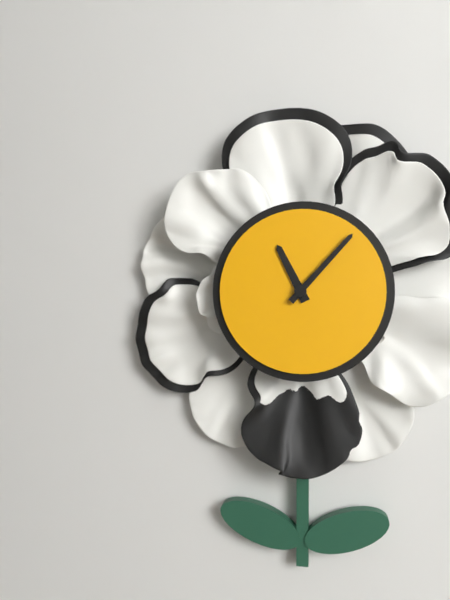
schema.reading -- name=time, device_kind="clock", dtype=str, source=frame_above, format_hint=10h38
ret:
11h07
